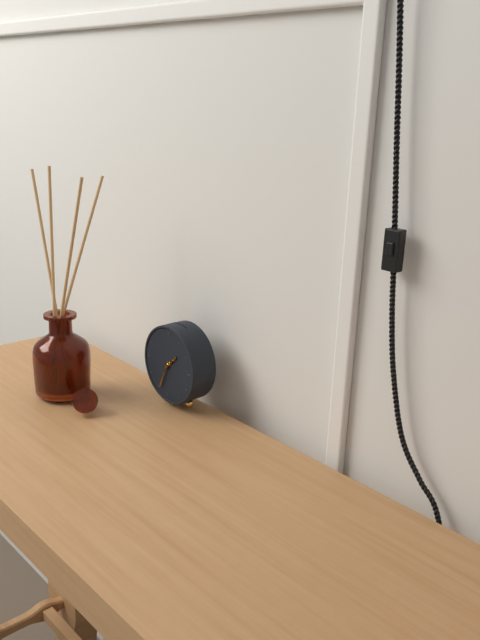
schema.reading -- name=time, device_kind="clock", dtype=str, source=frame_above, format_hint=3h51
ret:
1h34
